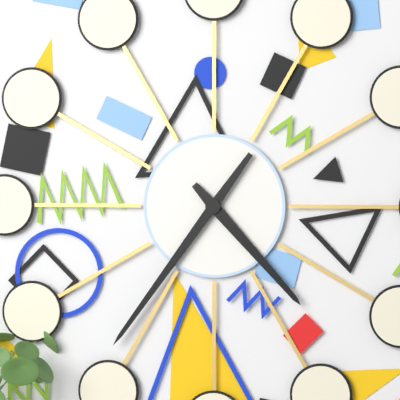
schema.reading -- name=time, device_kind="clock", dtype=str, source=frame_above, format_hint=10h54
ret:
4h36
